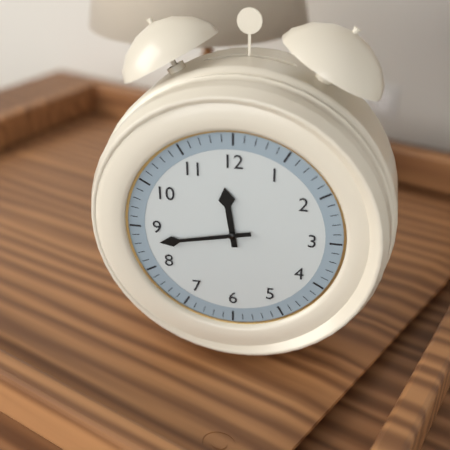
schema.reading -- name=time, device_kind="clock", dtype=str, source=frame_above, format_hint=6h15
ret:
11h43
